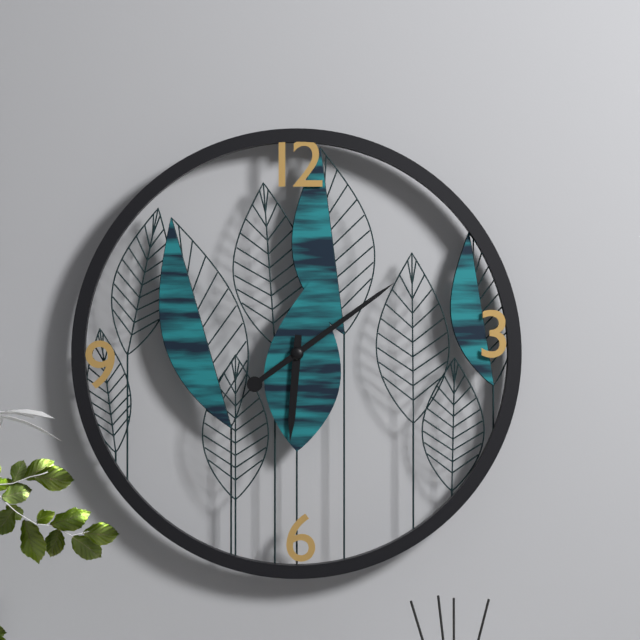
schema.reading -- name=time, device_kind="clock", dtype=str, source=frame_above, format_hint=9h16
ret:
6h09
